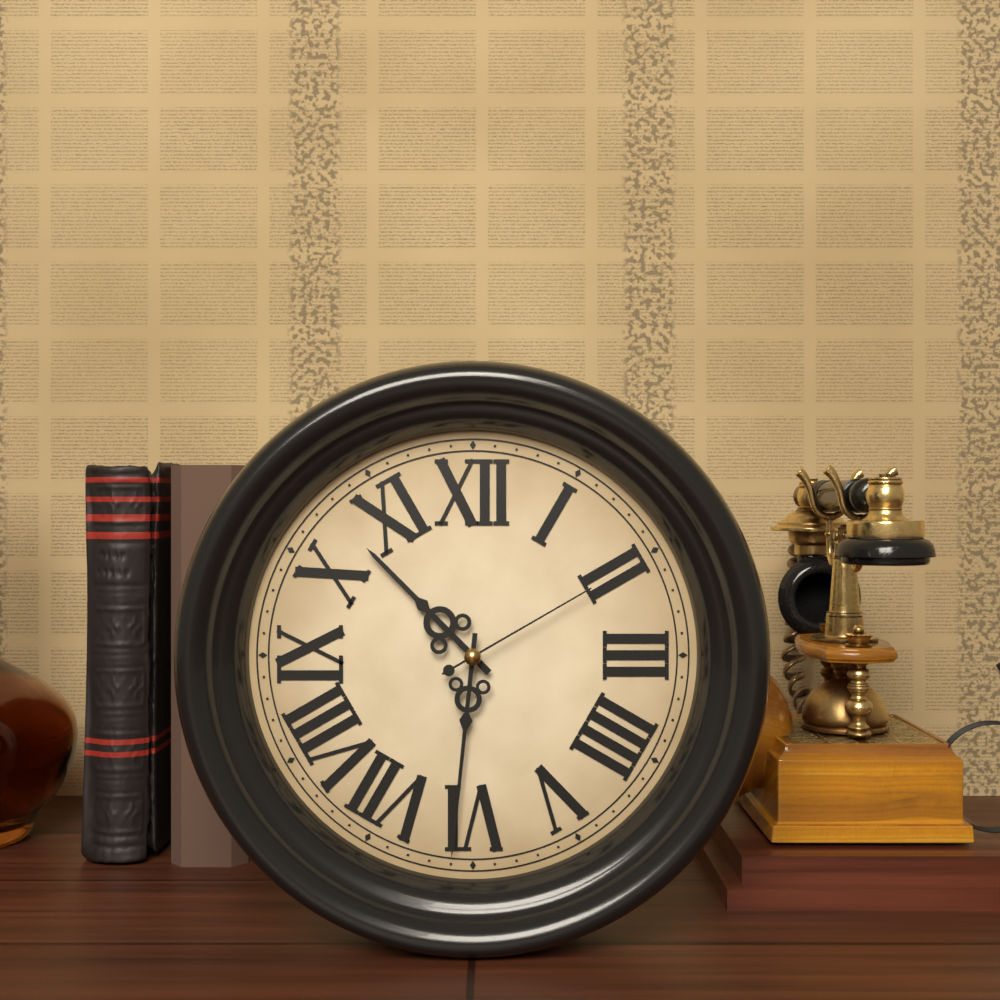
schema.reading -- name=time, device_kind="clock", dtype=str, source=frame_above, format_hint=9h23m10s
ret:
10h31m10s
